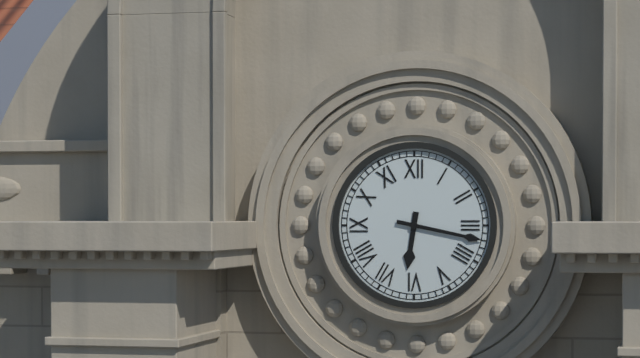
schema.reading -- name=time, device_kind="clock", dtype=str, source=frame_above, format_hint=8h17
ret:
6h17
